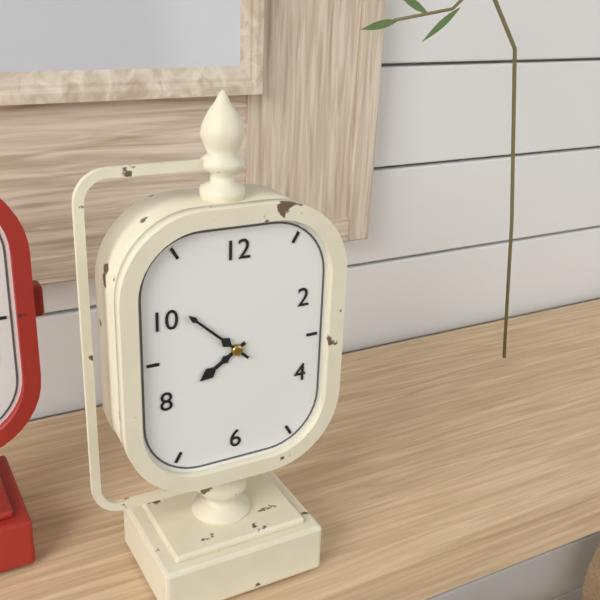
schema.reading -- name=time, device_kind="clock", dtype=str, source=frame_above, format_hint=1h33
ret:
7h52
